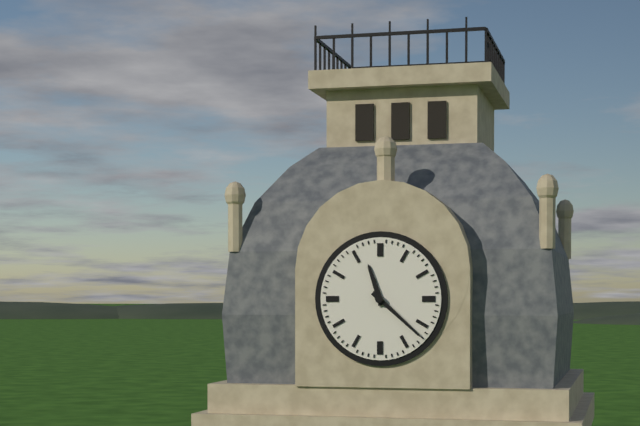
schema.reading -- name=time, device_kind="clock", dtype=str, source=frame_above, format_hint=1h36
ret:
11h22
